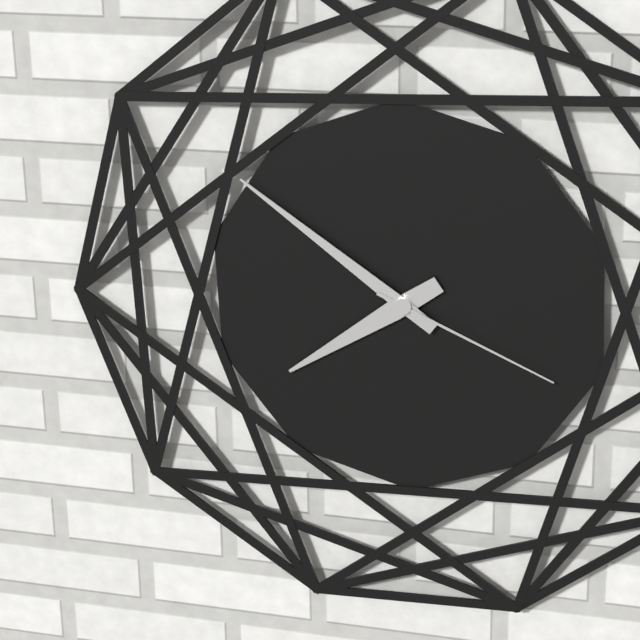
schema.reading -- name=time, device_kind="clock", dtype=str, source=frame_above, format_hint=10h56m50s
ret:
7h51m19s
